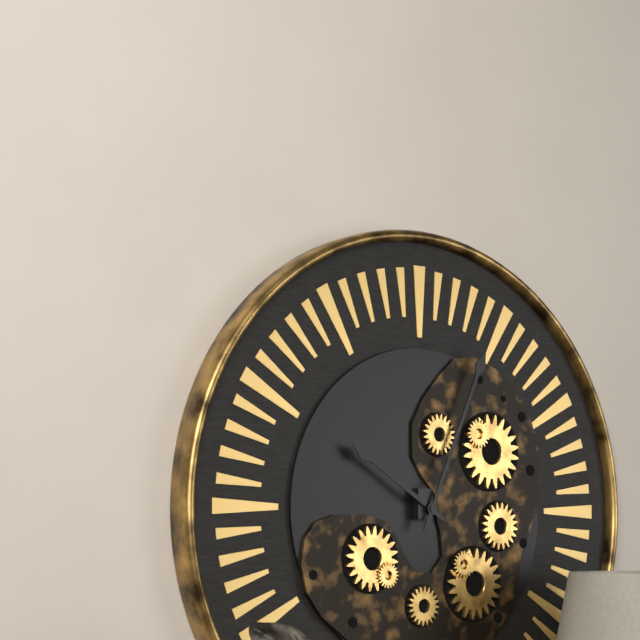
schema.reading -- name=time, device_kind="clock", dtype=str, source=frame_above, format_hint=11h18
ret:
10h04
